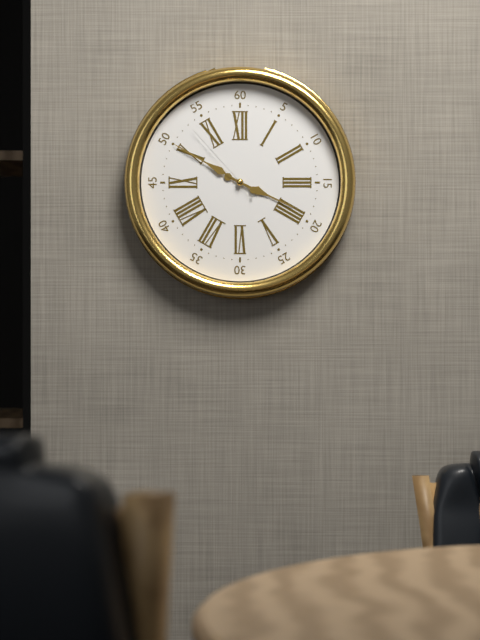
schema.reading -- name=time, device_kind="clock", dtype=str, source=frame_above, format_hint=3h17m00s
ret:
3h50m53s
